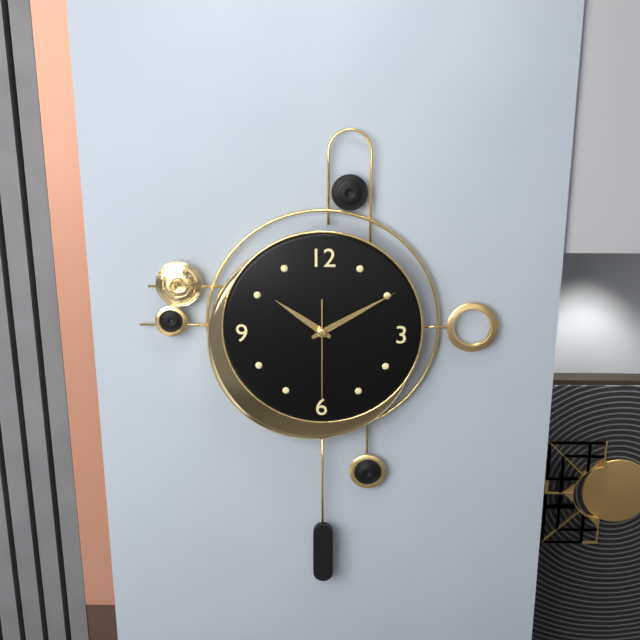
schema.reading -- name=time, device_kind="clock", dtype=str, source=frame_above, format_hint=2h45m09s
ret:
10h10m30s
